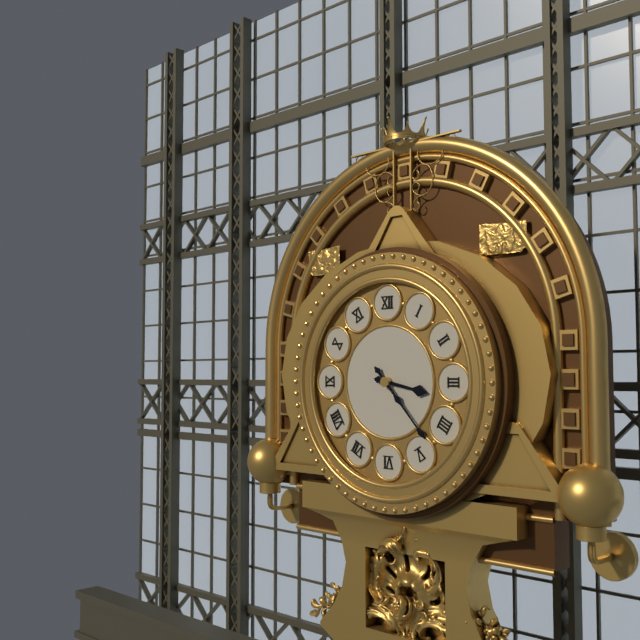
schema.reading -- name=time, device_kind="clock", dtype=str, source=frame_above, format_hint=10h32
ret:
3h23
